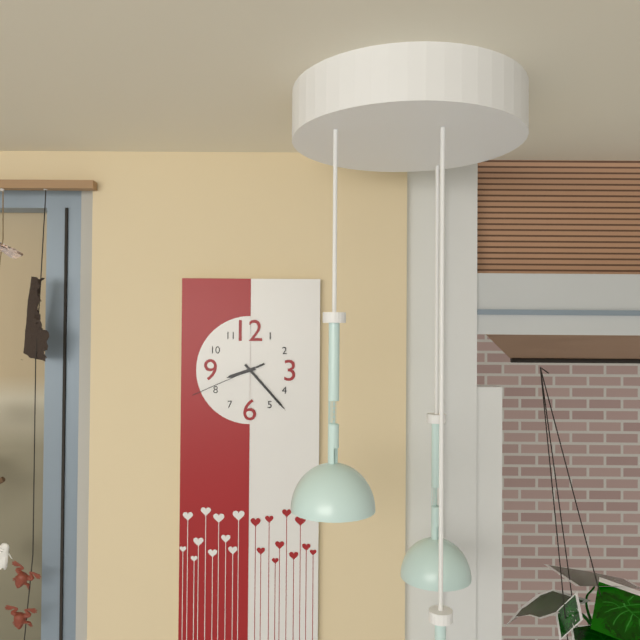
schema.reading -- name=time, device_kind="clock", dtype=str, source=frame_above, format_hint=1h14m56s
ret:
8h23m41s
